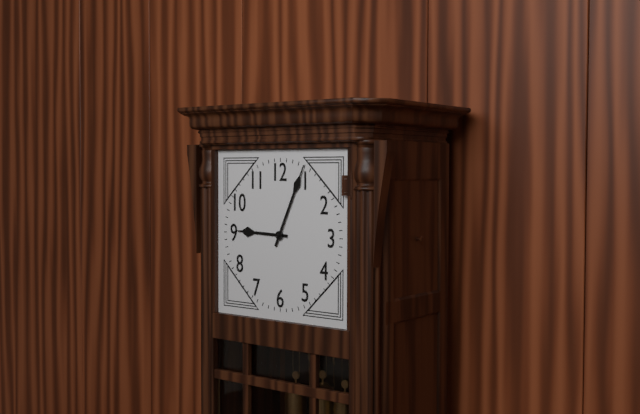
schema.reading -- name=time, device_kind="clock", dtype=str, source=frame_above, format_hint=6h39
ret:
9h04
